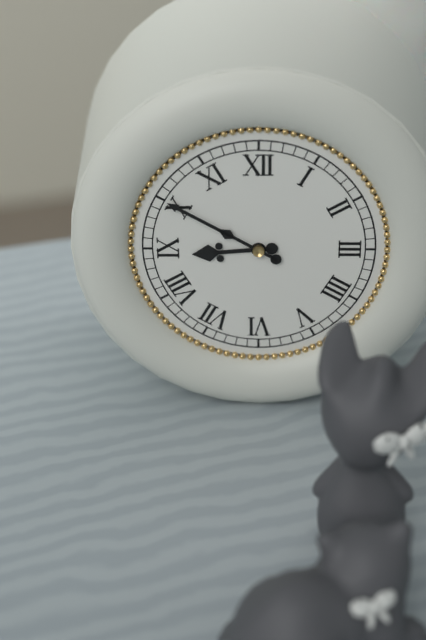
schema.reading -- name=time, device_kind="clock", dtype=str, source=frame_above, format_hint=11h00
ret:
8h50
